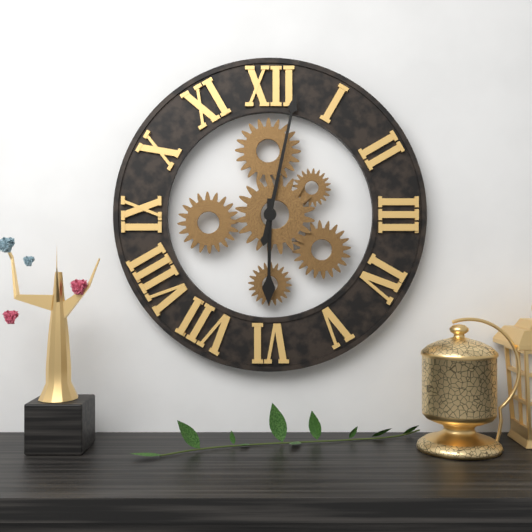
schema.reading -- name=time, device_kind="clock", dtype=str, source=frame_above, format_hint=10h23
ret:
6h02
